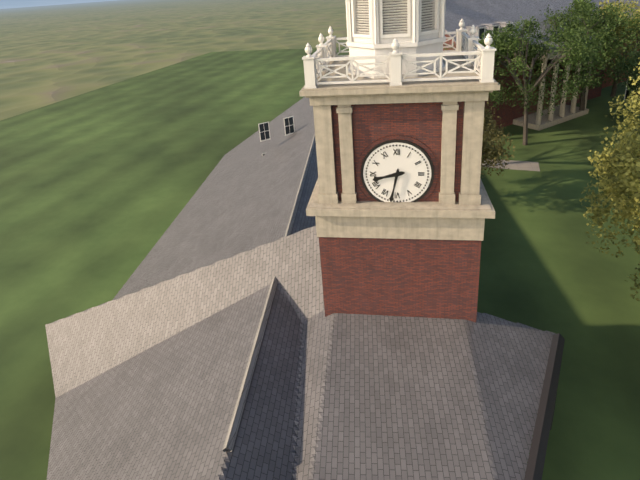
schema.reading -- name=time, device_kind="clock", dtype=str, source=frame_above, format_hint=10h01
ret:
8h32
